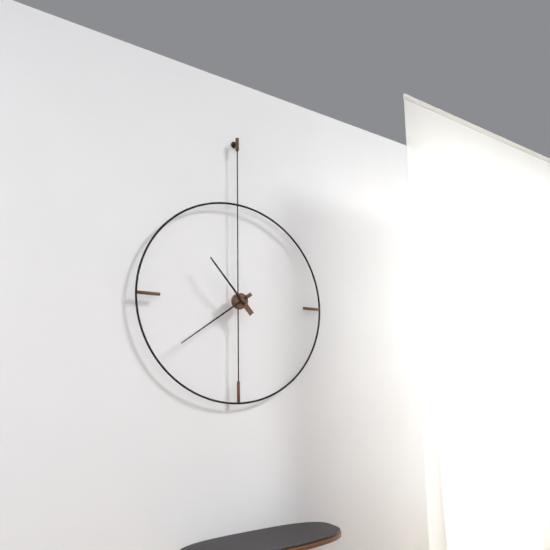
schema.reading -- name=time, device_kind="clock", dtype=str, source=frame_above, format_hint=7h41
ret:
10h39
